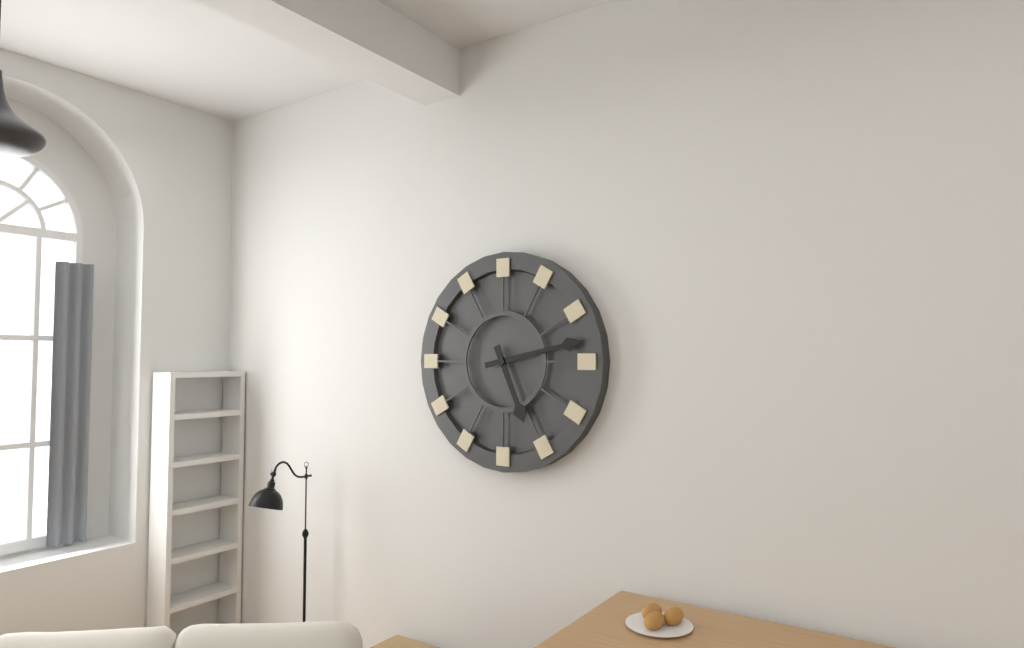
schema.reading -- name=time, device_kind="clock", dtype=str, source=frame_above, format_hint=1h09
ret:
5h13
